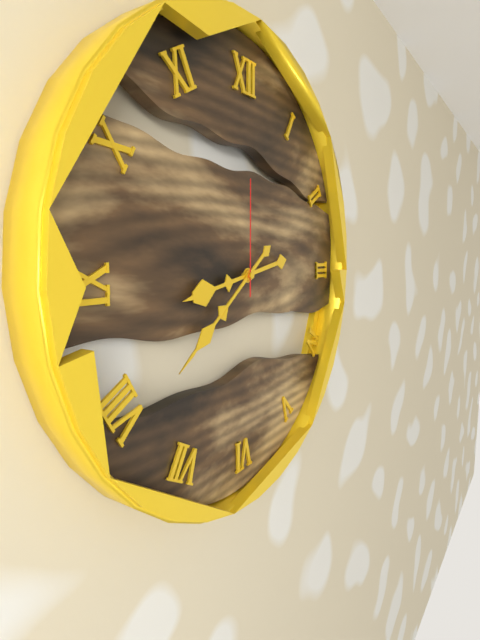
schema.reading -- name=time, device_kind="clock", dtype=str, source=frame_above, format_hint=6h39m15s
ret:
8h39m00s
